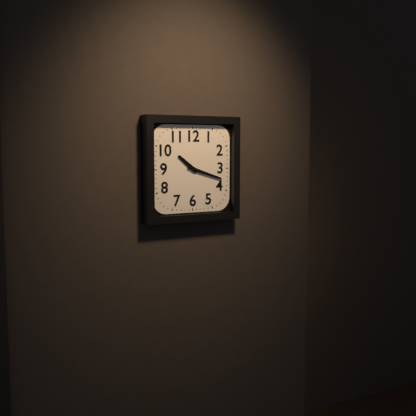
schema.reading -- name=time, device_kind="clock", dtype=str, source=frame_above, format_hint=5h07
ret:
10h18
